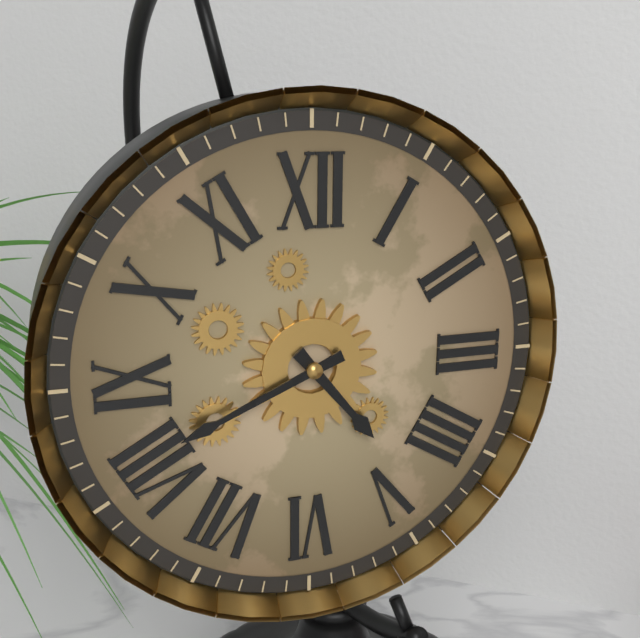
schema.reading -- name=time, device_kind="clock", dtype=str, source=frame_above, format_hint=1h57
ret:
4h41
